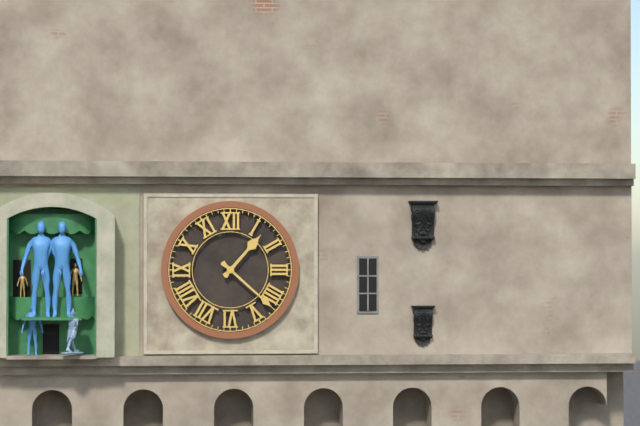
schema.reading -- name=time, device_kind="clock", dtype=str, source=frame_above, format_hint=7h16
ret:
1h22
